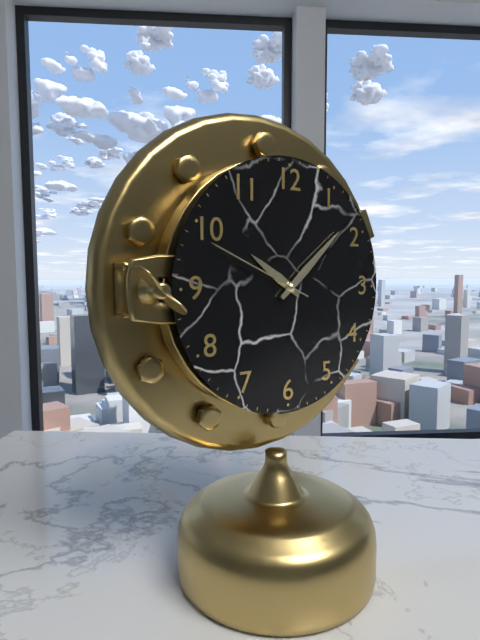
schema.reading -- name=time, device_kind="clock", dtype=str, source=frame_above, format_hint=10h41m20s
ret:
10h08m49s
